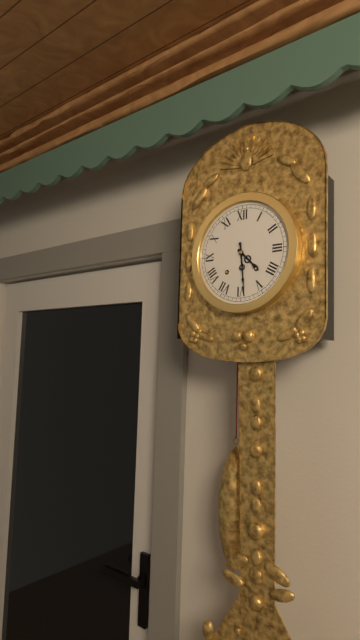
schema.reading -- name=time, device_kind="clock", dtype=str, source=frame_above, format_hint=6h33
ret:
4h29
